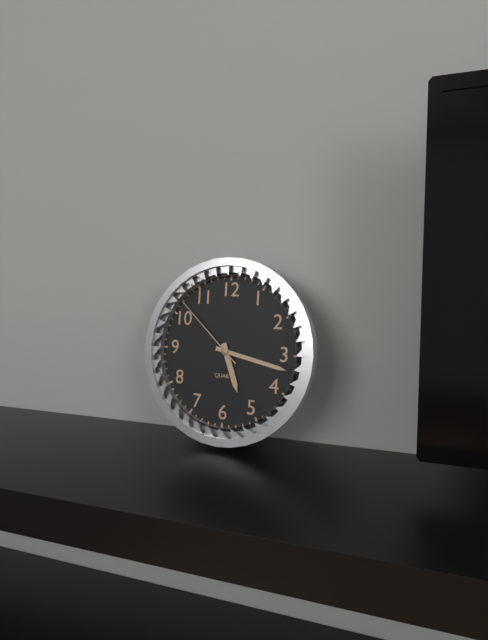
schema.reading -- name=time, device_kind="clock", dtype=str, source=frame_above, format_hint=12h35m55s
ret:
5h17m52s
